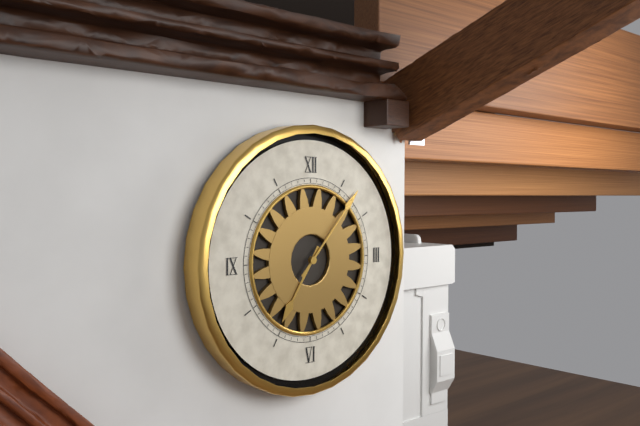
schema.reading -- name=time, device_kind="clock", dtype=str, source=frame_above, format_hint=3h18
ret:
7h07
